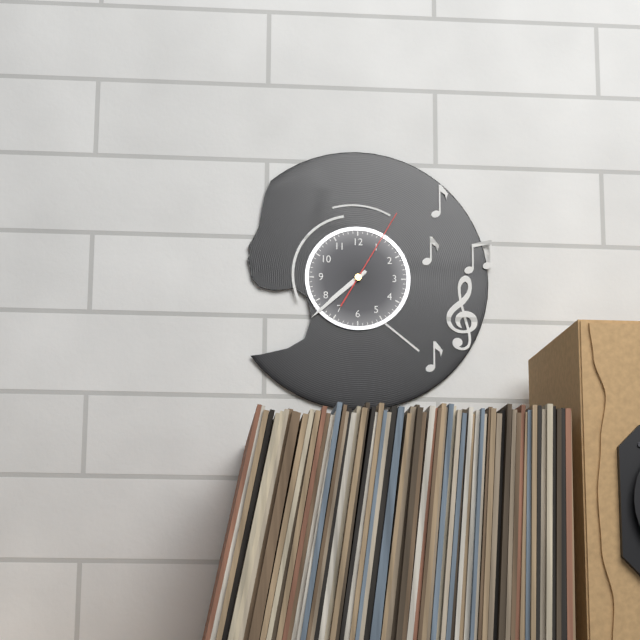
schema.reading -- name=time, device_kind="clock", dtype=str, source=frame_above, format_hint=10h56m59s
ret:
7h38m05s
